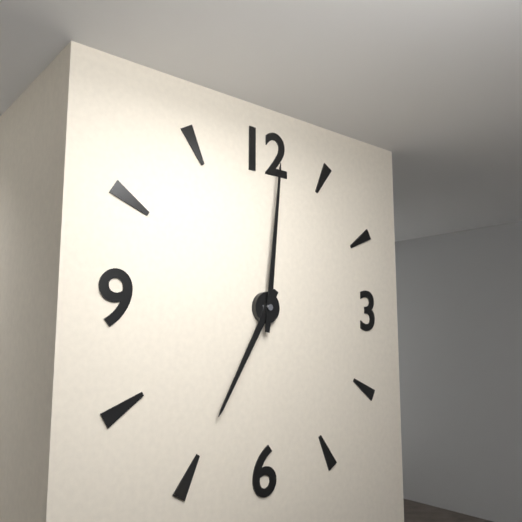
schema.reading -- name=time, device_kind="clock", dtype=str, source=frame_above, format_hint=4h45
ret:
7h01
